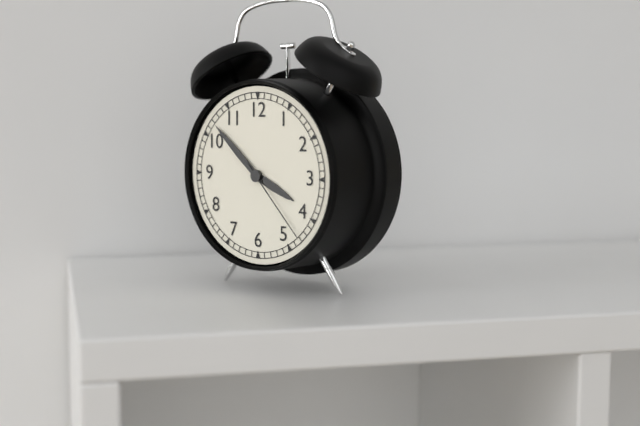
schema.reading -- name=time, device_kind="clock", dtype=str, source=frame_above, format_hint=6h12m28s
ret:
3h52m23s
